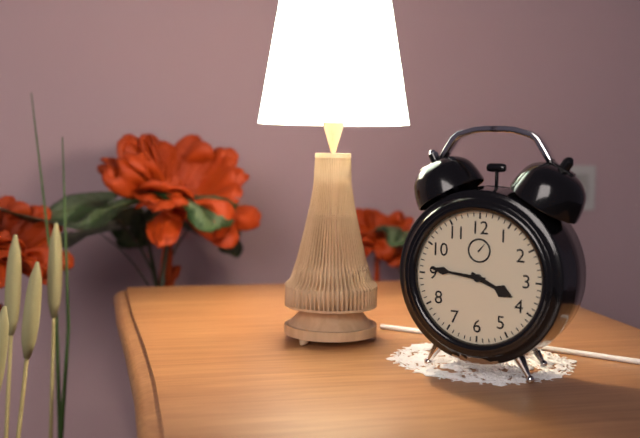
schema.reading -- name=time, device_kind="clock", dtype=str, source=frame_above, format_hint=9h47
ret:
3h46
